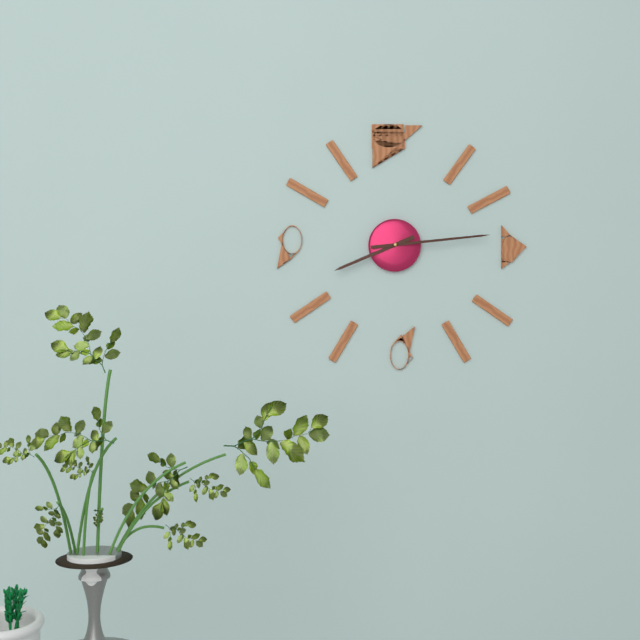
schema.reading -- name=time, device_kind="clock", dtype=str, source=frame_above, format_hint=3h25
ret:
8h14
